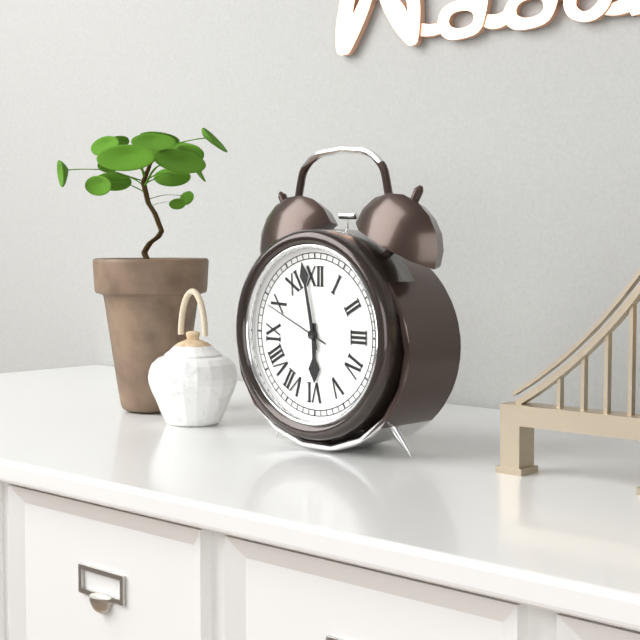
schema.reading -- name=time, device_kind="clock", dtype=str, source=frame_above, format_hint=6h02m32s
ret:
5h58m49s
